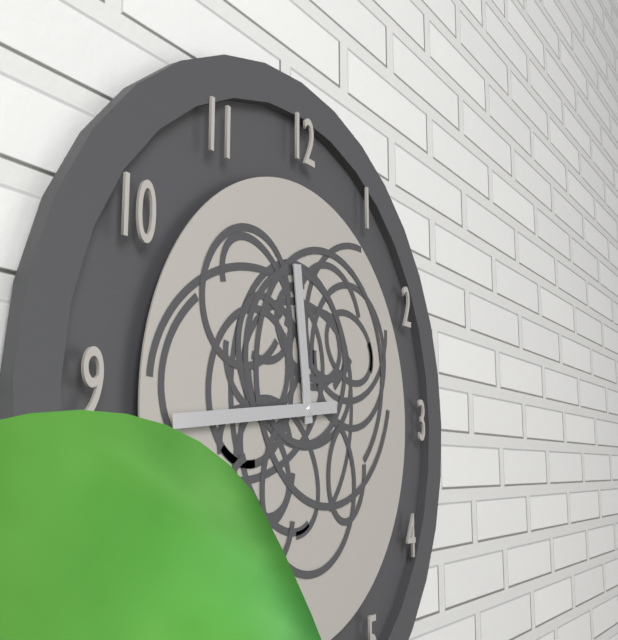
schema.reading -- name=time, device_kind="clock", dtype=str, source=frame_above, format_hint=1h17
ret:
11h44
